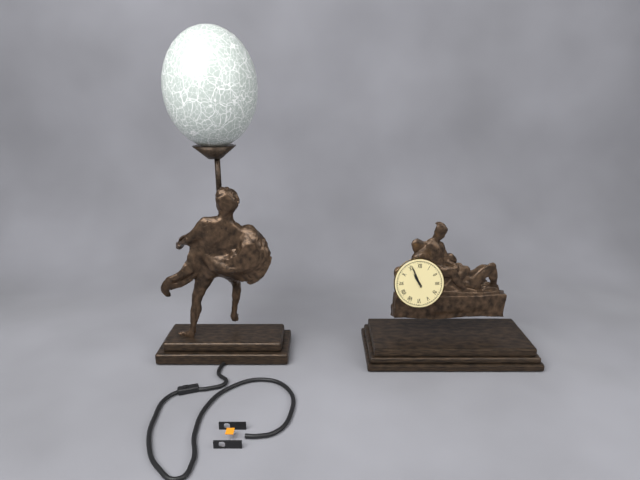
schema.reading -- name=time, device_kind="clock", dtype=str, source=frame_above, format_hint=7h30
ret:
10h56
